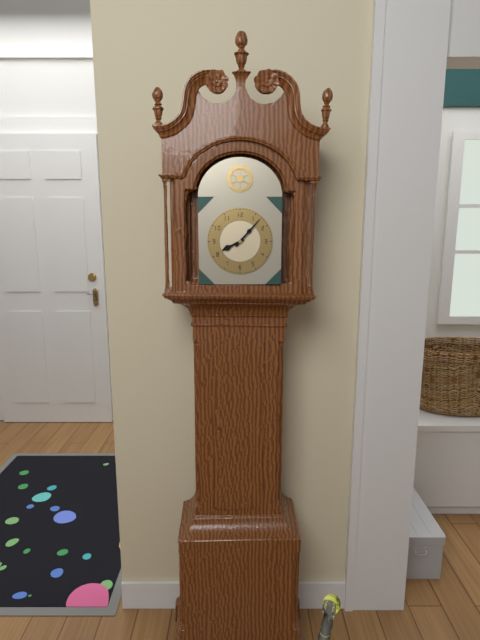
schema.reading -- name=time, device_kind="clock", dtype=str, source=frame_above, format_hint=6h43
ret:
8h07
